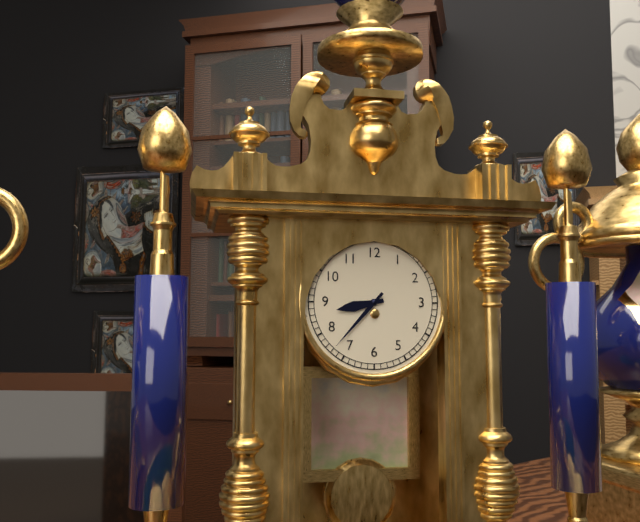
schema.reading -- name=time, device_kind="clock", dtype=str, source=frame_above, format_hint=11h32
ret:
8h37
